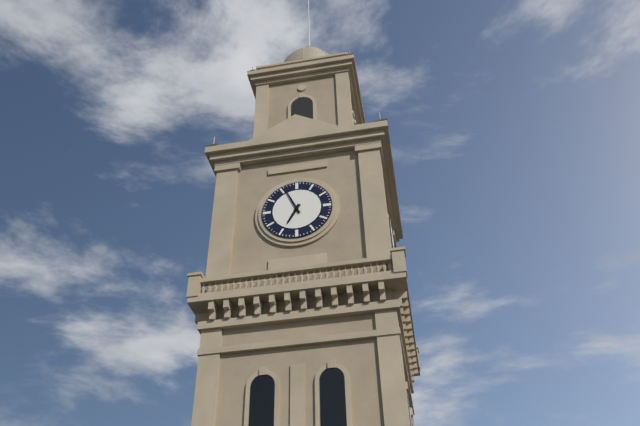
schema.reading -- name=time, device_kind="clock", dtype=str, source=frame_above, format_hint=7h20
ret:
6h56
